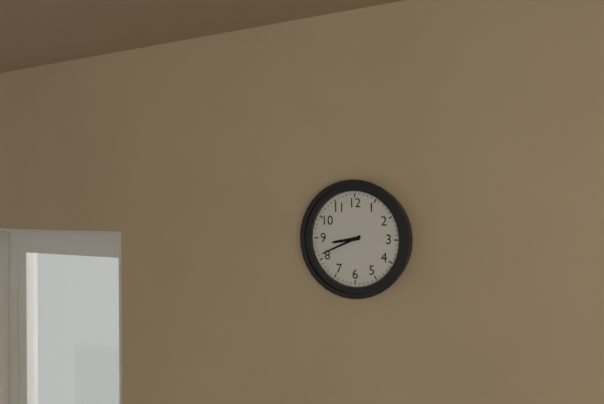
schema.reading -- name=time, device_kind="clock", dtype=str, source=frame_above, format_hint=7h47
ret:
8h41
